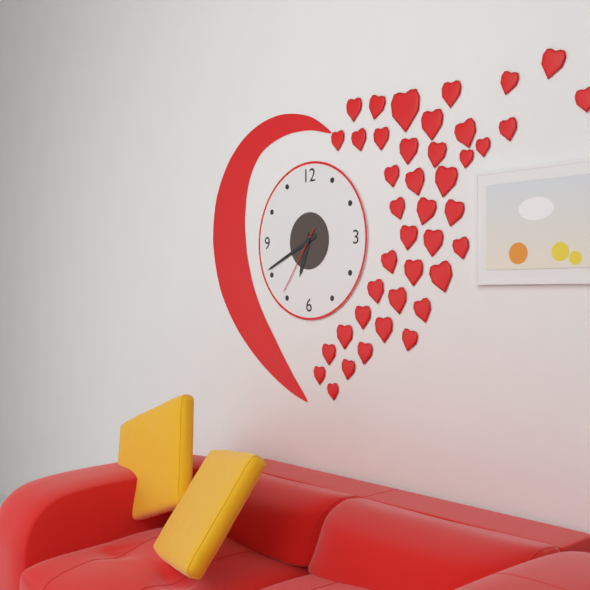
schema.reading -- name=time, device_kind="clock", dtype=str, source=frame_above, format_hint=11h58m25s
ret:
6h41m36s
